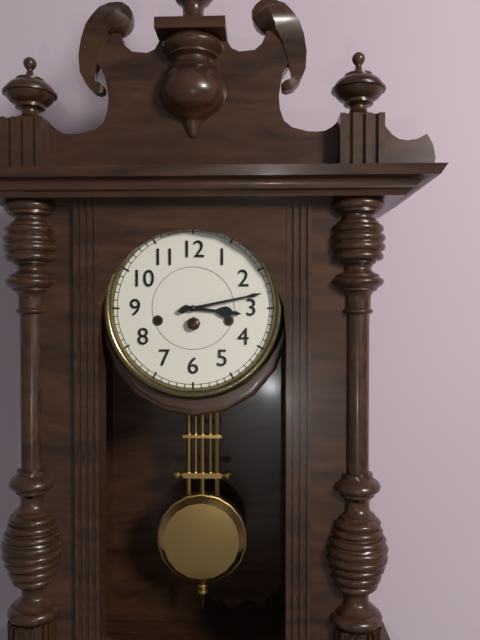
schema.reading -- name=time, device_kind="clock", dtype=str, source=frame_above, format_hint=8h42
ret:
3h13
